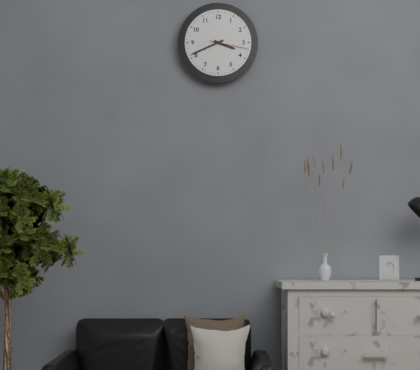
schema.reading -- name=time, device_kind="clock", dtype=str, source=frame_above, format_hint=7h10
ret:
3h41
